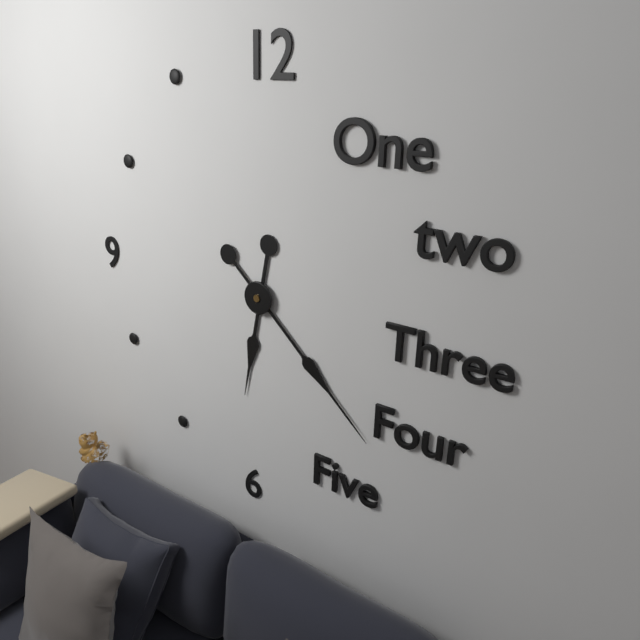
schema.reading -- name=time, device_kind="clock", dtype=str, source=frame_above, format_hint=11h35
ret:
6h22
